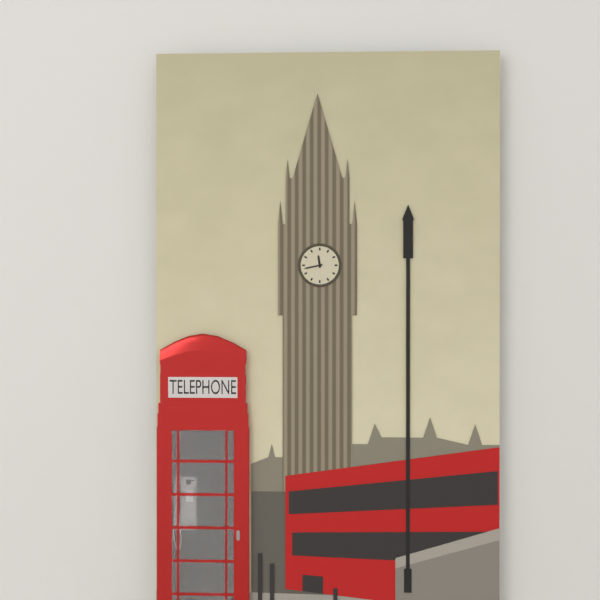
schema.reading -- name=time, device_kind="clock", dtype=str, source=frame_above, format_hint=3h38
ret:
11h43
